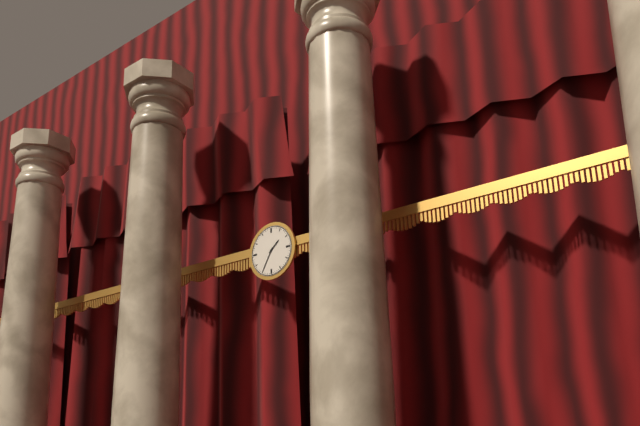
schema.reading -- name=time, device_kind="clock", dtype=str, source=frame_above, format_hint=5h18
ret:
1h35
